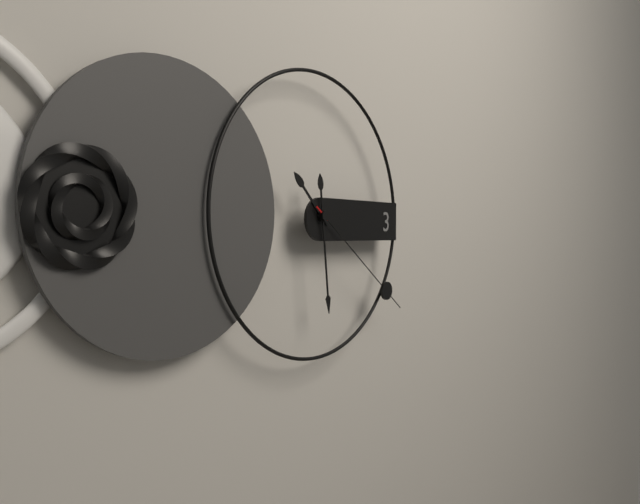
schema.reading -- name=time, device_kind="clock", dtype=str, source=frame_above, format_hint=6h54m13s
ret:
10h29m21s
